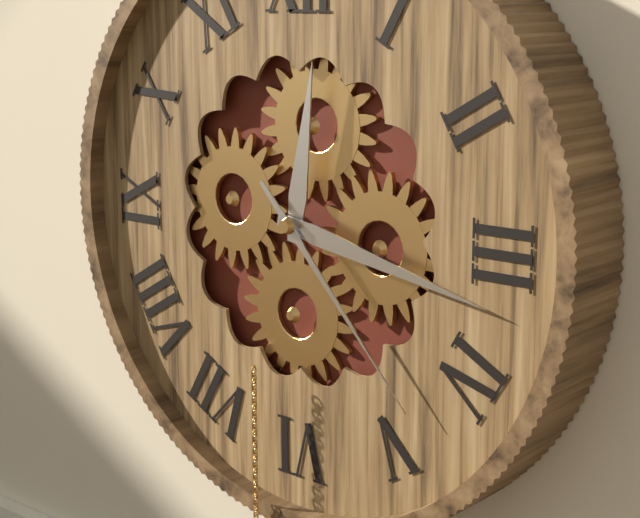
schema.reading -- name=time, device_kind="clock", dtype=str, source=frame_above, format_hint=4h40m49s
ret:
12h17m23s
